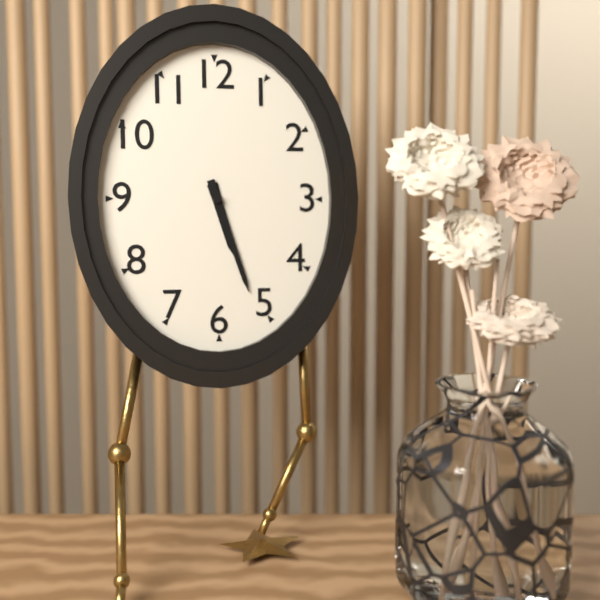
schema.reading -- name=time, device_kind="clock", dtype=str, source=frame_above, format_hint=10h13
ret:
5h27
